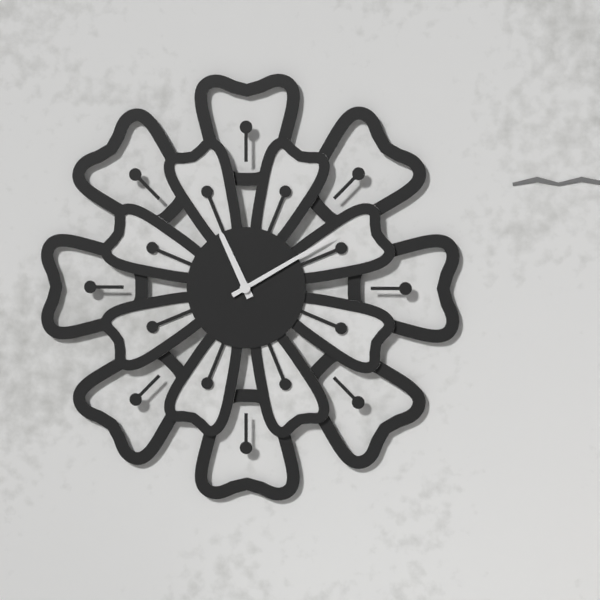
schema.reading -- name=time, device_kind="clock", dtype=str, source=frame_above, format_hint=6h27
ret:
11h10
